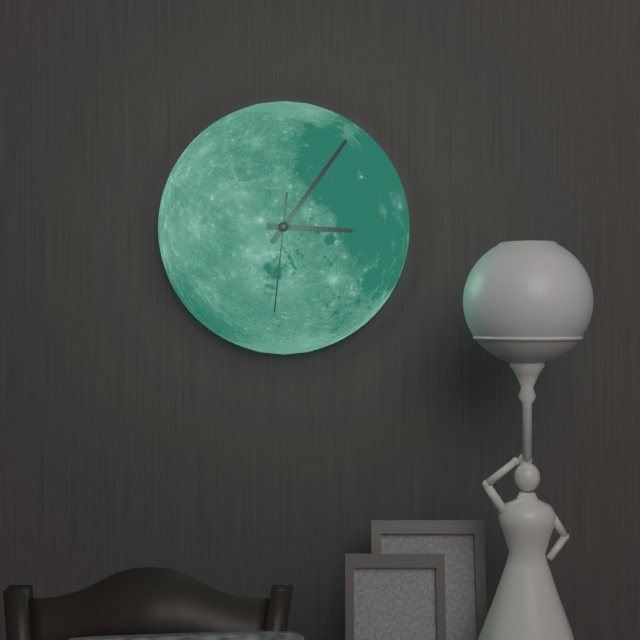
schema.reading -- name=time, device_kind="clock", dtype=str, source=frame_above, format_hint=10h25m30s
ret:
3h06m31s
